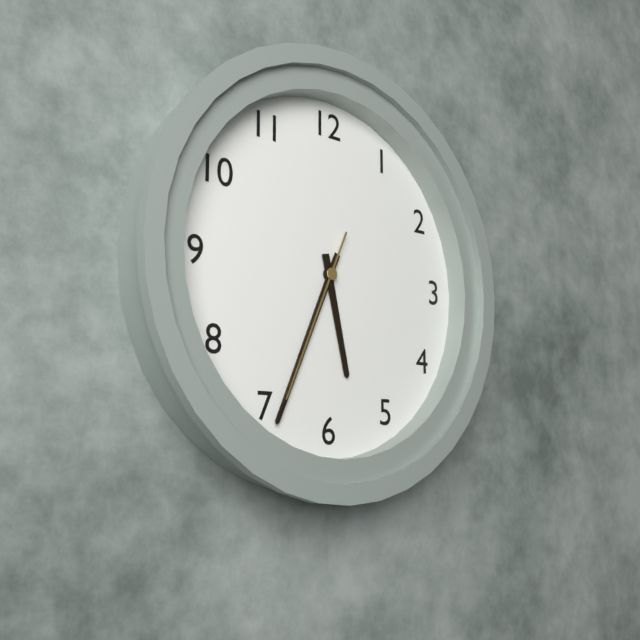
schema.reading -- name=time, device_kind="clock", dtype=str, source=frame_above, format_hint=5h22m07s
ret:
5h34m34s
